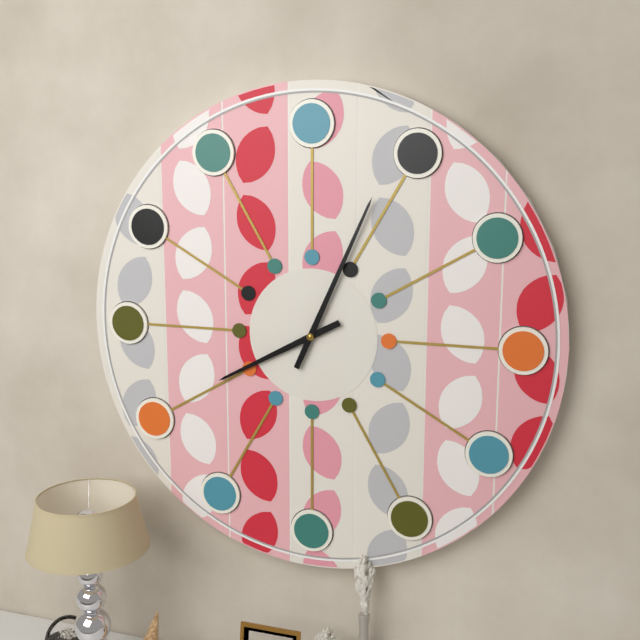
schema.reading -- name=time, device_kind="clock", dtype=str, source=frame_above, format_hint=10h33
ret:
8h04
